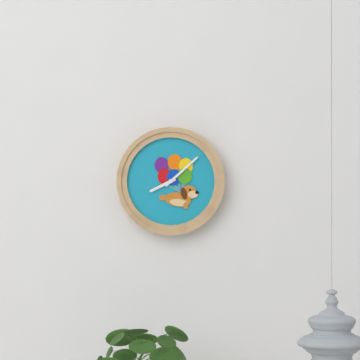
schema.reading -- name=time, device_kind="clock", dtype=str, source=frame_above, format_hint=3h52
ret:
8h08
